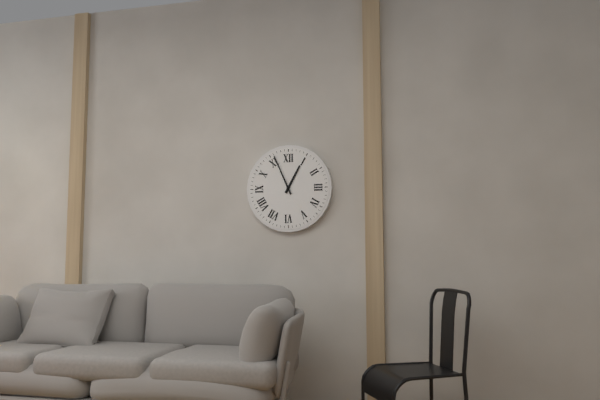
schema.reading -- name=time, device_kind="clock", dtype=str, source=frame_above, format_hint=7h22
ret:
12h56
